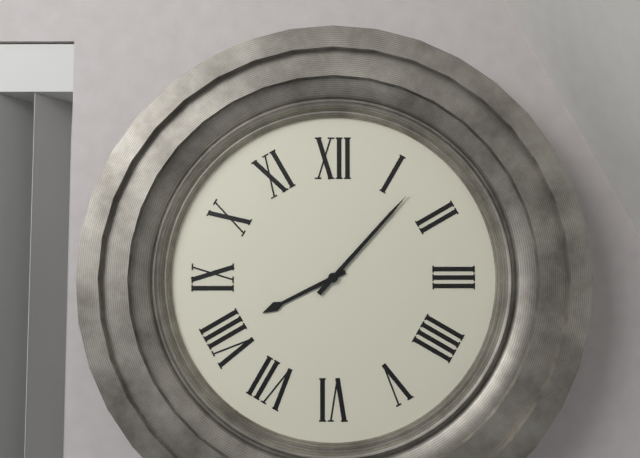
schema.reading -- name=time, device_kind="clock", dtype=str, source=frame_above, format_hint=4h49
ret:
8h07
